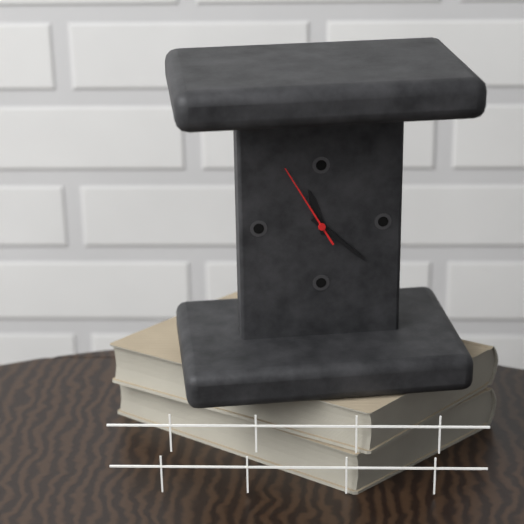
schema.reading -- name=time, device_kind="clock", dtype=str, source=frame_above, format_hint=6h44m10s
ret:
11h22m55s
